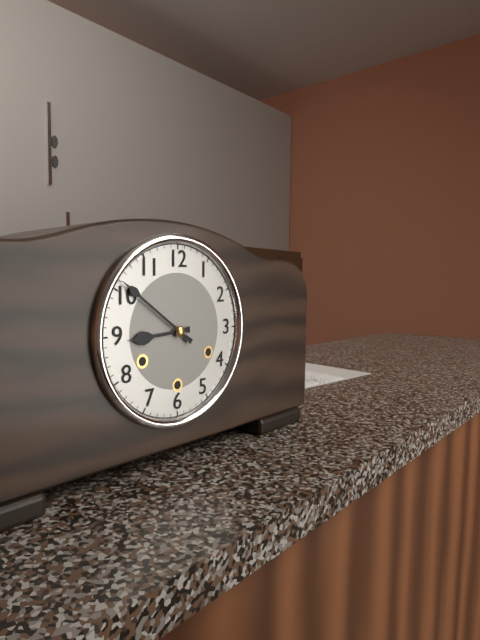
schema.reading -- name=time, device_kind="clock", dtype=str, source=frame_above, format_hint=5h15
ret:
8h51
